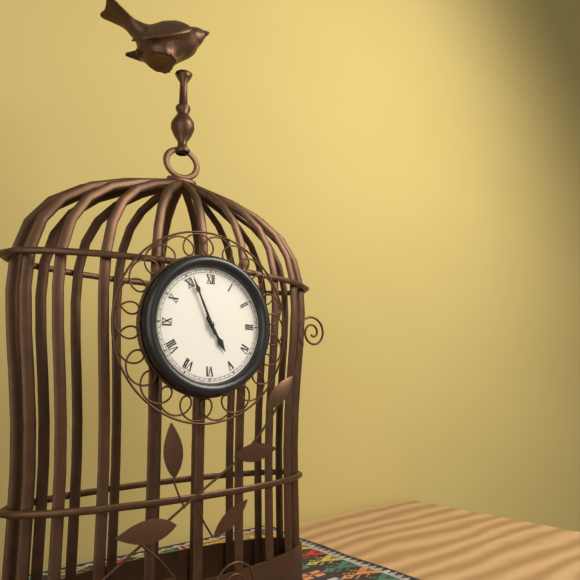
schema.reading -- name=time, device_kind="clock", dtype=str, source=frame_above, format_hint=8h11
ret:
4h56
